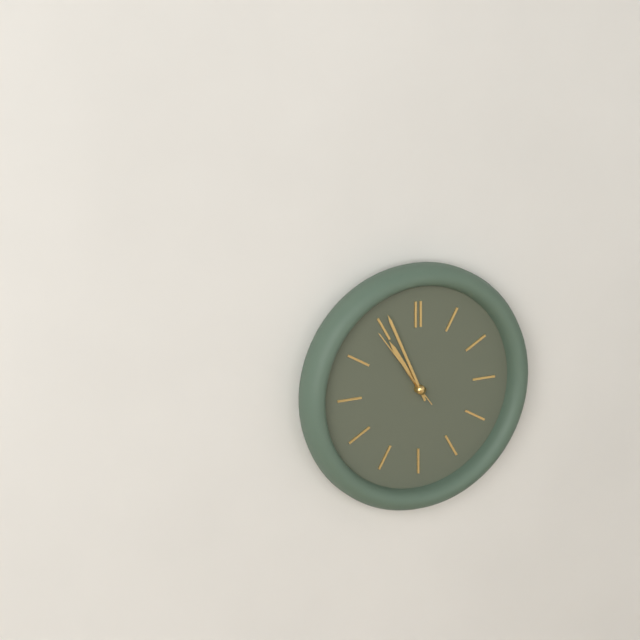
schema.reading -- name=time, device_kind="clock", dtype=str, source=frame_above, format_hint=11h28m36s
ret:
10h56m54s
